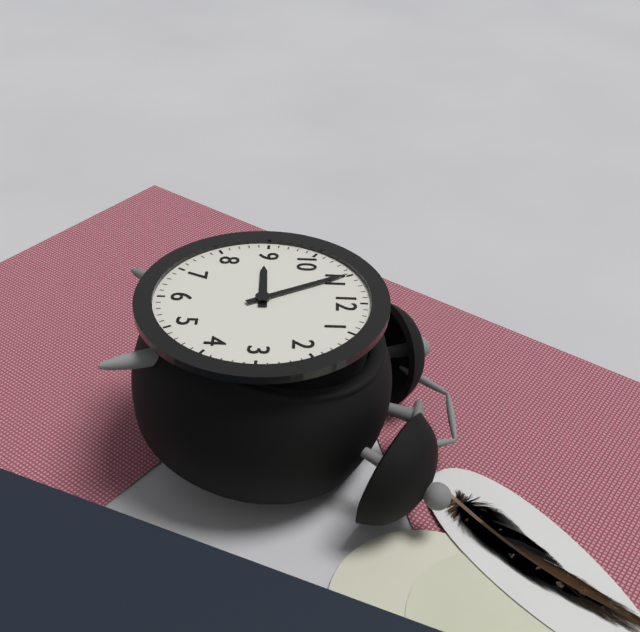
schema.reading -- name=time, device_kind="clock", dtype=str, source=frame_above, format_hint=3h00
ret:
8h55
